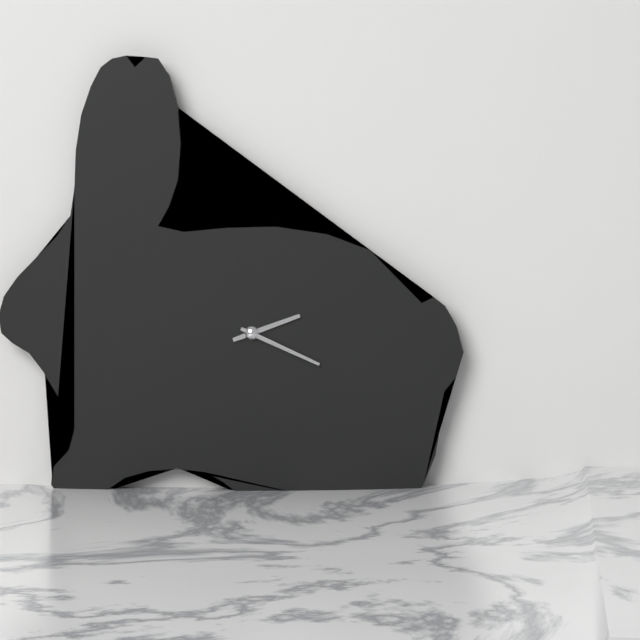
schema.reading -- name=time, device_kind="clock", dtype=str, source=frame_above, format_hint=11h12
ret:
2h19
